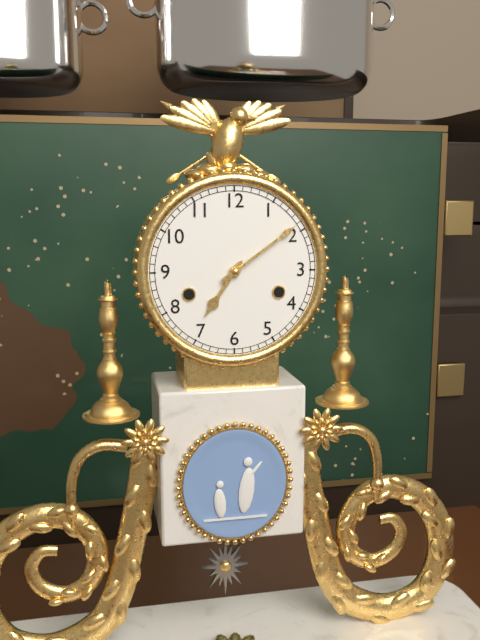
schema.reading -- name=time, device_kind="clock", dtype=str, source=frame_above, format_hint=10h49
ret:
7h09
